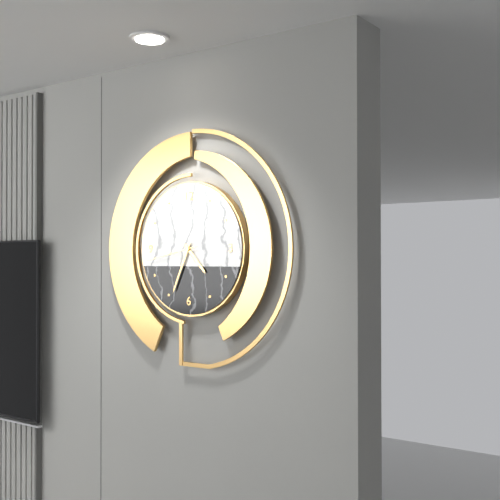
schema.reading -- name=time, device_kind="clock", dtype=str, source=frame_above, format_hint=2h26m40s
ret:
4h34m43s
